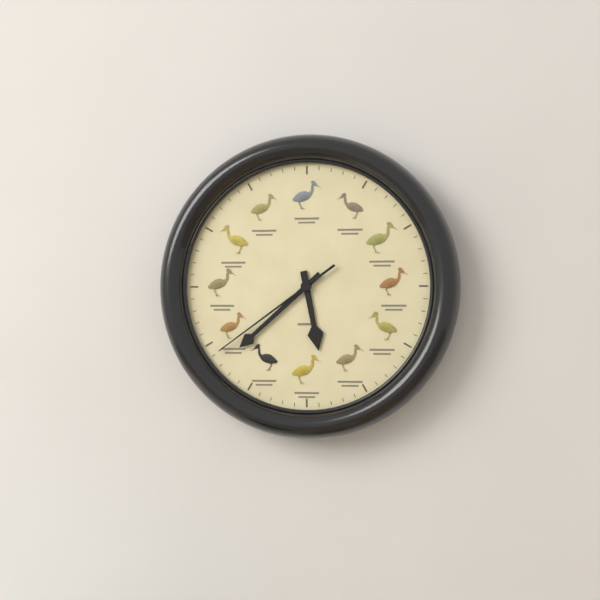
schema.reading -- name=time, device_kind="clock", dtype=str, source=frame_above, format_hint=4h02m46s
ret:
5h38m39s
